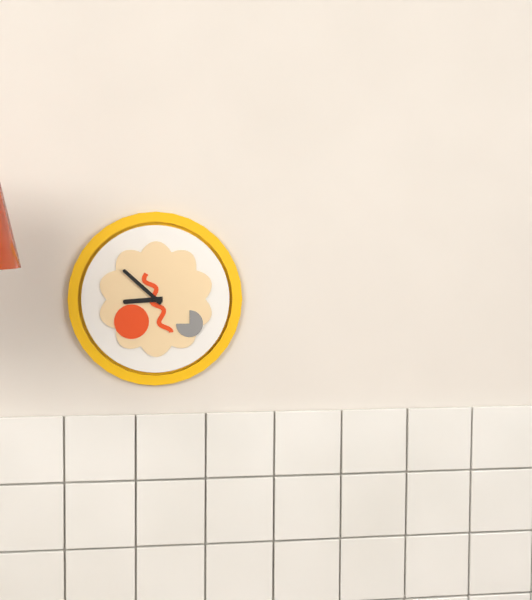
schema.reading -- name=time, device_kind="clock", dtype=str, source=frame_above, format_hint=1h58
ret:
8h52
